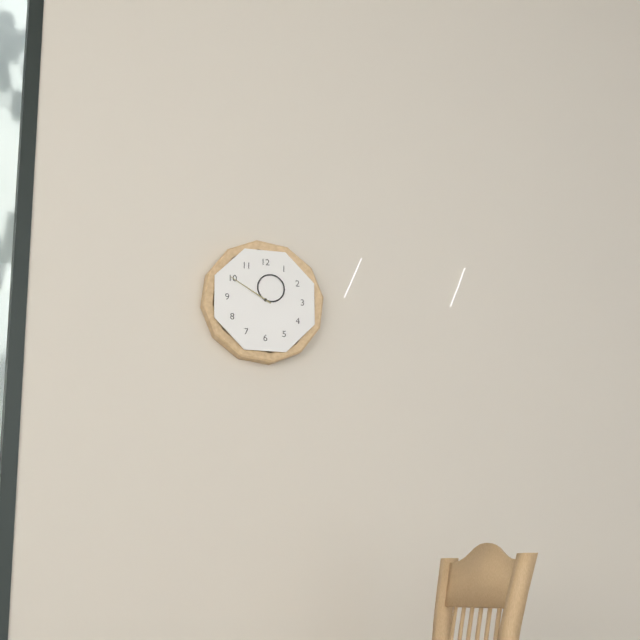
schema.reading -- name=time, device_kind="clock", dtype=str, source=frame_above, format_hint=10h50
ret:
12h50
